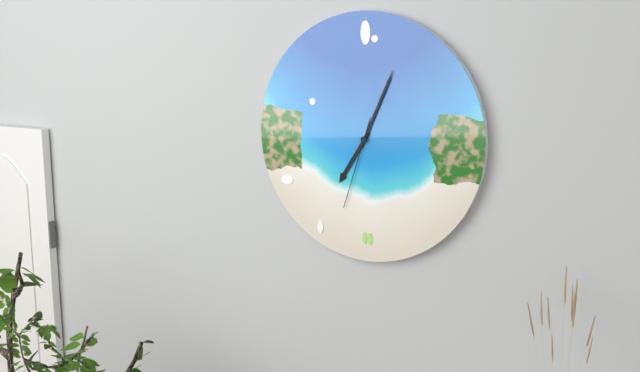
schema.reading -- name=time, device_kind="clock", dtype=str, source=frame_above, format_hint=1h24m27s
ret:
7h04m33s
